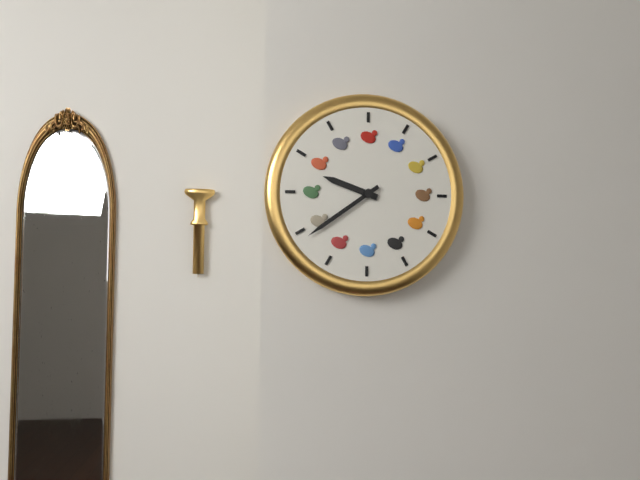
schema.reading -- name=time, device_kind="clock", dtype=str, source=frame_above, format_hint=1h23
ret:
9h39
